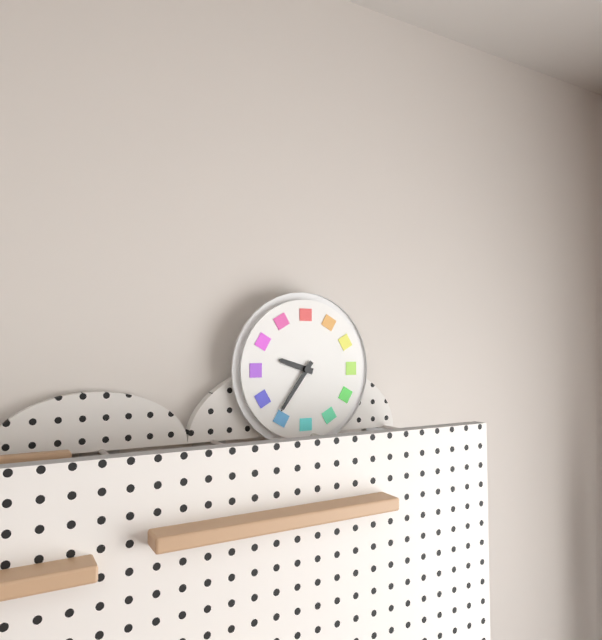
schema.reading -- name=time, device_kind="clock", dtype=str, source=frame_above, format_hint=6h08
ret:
9h36
